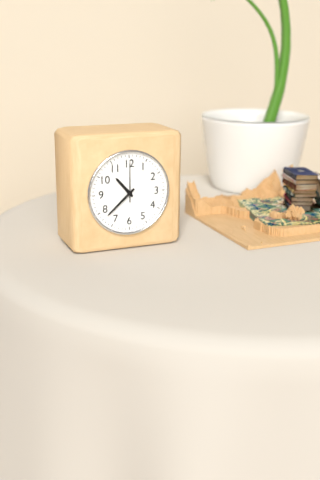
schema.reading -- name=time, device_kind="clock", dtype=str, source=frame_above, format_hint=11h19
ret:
10h38
